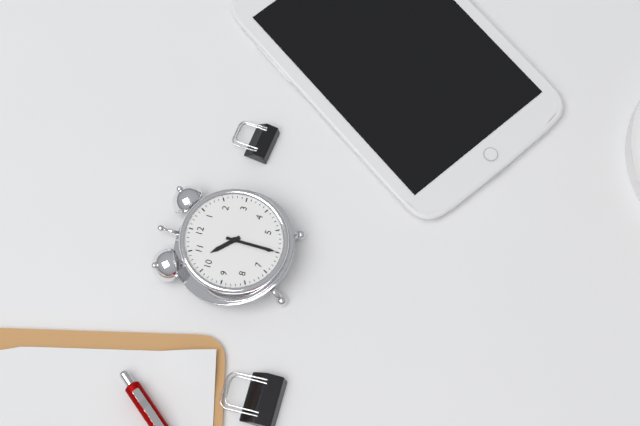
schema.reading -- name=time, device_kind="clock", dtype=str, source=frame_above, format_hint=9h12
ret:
10h30
